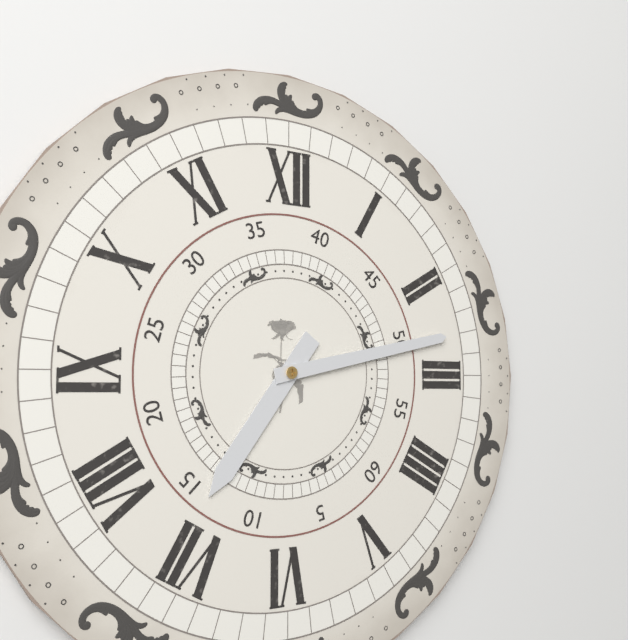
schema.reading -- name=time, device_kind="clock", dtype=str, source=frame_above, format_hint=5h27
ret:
7h13
